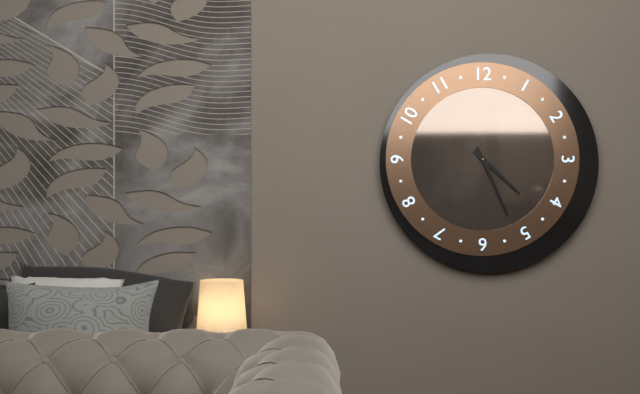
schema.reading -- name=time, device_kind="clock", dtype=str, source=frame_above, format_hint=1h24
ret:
4h26
